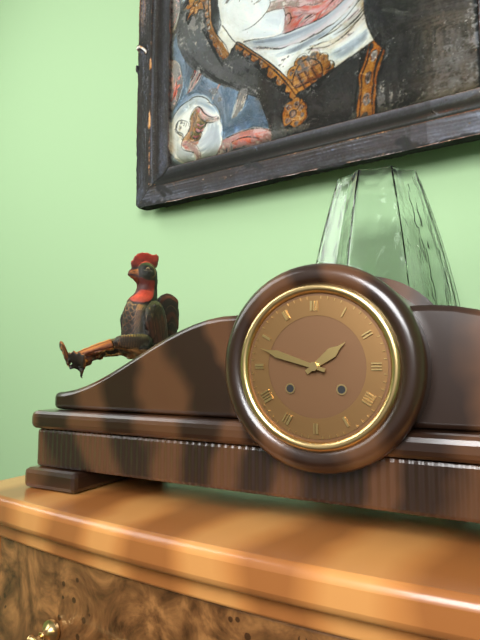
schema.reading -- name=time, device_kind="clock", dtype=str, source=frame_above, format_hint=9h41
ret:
1h48
